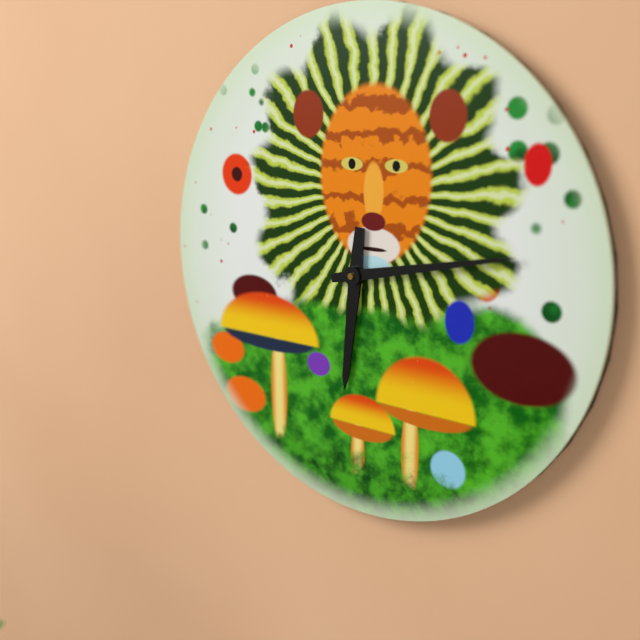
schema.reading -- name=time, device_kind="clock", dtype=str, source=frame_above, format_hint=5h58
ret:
6h13
